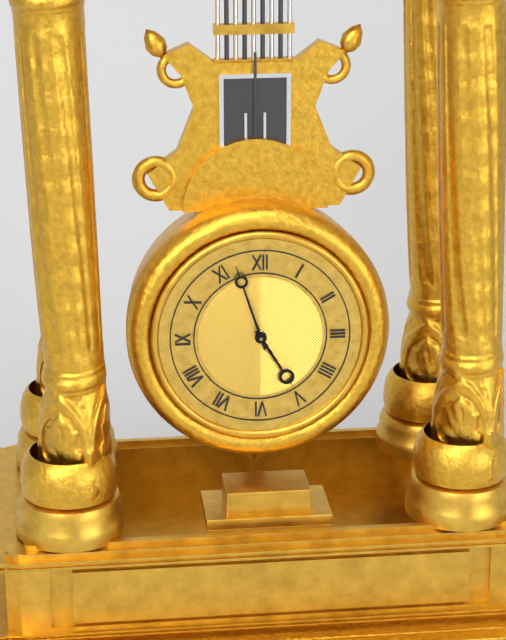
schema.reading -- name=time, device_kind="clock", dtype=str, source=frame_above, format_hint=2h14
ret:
4h57
